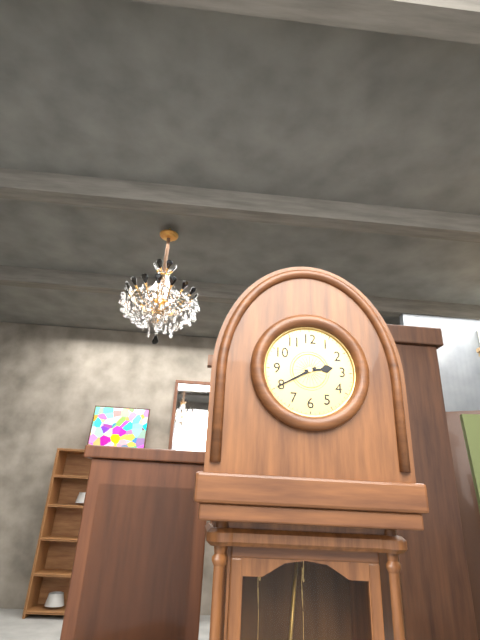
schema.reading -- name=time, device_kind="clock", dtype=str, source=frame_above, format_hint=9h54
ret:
2h40
